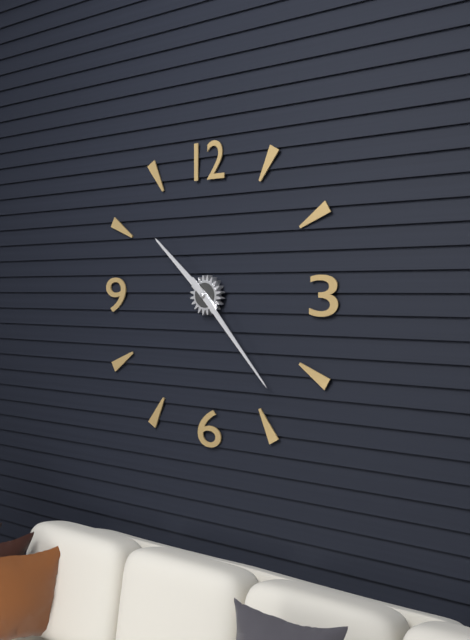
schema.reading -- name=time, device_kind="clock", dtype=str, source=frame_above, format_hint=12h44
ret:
10h23
